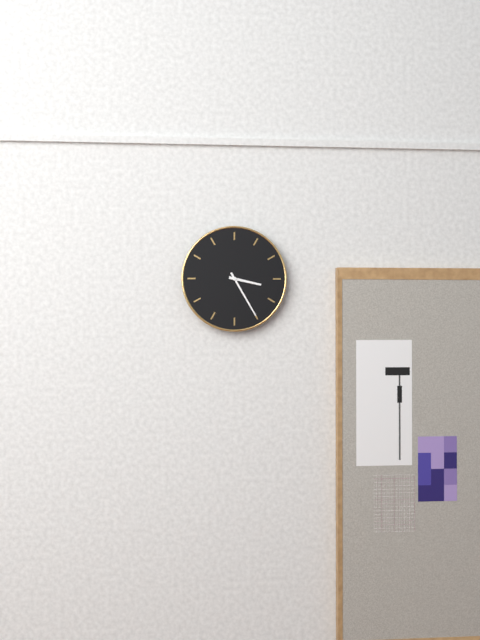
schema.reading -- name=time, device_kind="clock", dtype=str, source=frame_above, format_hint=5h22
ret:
3h25
